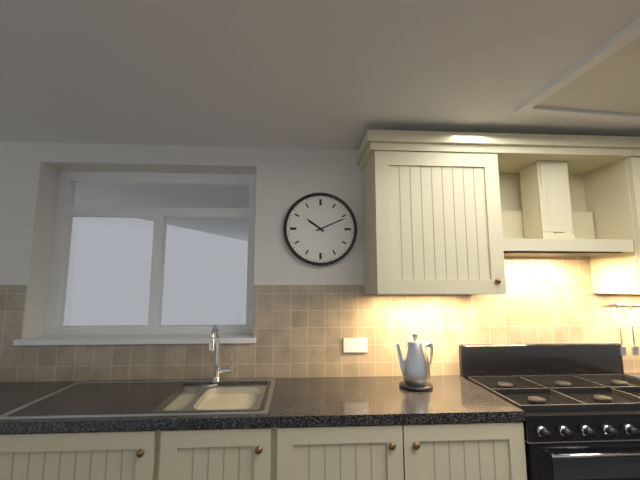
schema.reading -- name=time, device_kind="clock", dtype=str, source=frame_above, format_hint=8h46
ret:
10h11
